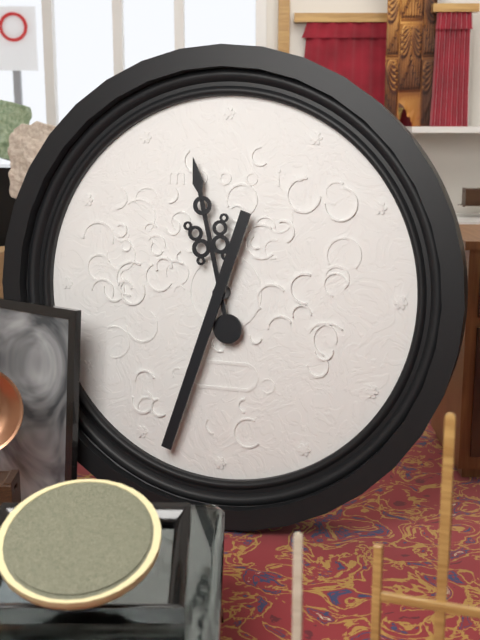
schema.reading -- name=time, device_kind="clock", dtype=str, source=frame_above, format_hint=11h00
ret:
11h33
